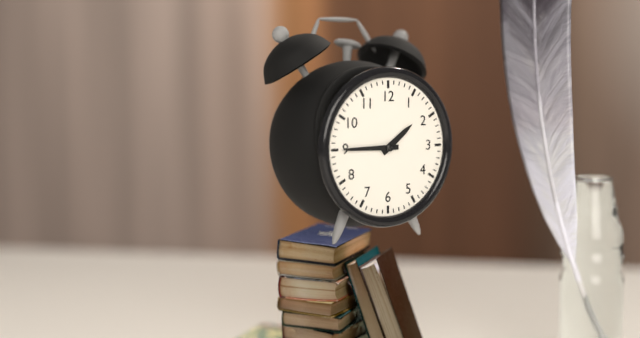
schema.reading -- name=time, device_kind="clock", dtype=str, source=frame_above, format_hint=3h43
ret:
1h45
